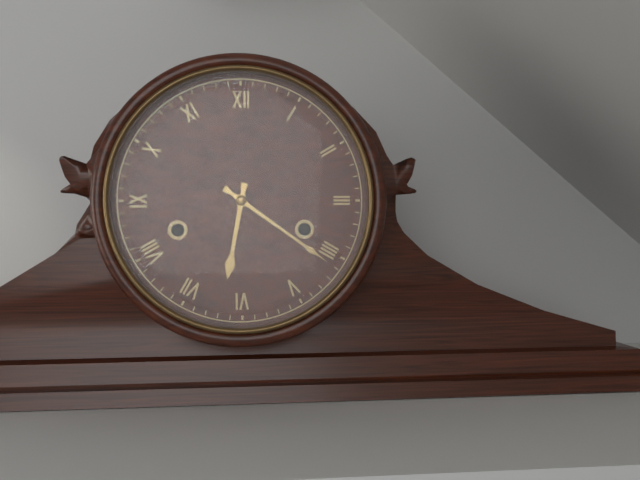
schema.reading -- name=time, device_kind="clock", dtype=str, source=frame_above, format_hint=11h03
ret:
6h21
